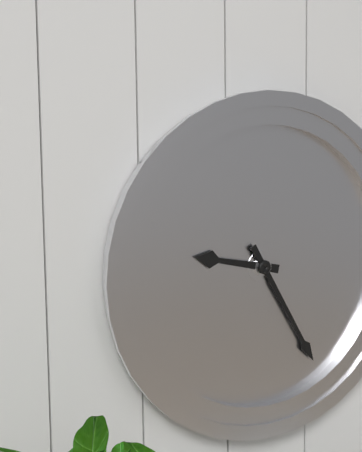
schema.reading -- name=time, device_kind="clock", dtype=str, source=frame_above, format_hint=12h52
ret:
9h25
